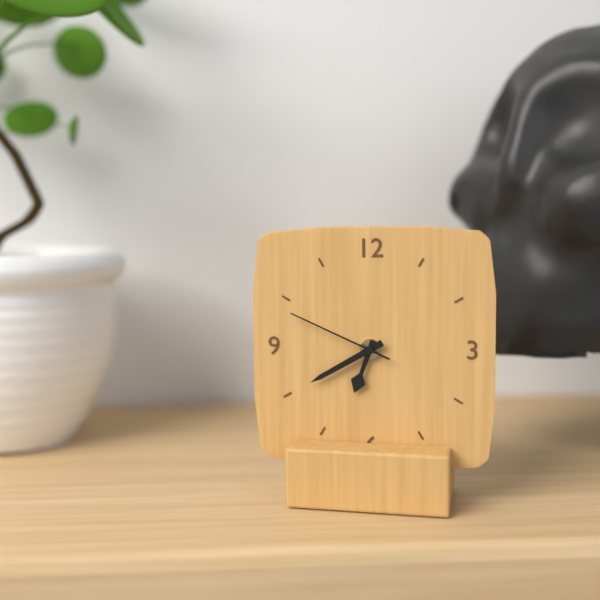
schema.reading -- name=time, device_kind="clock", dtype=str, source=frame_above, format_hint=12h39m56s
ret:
6h40m49s
